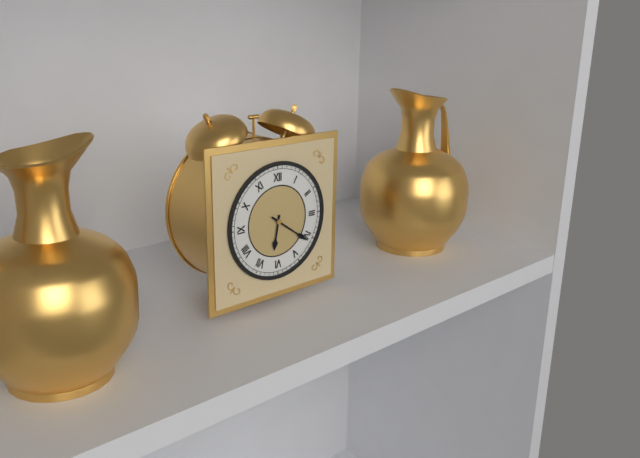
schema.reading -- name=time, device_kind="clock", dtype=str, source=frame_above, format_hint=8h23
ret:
6h21
